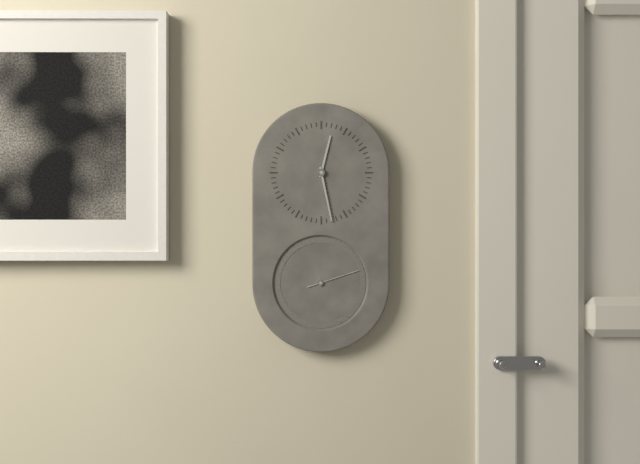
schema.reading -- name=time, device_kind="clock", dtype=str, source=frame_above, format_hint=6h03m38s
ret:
12h28m12s
